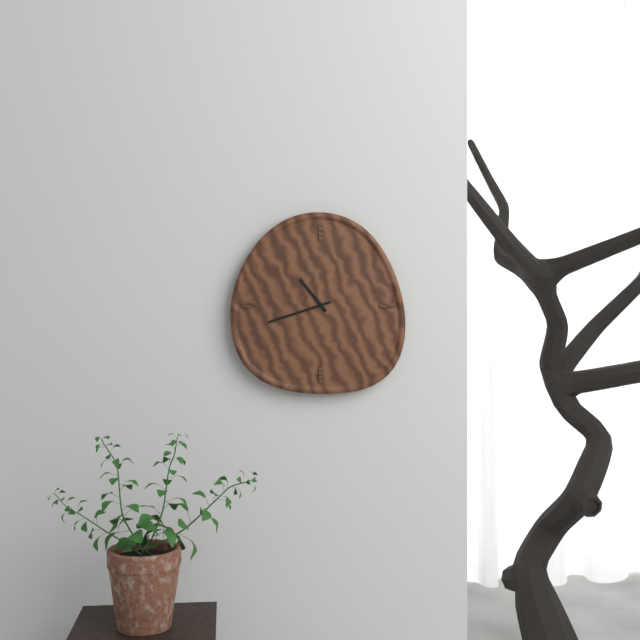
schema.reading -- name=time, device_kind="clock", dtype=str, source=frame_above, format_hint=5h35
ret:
10h42
